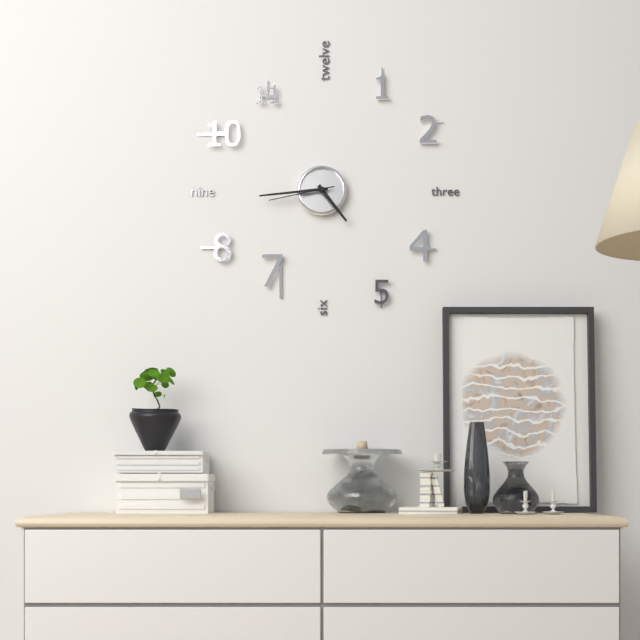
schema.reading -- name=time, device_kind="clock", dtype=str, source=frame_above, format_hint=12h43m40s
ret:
4h44m43s
